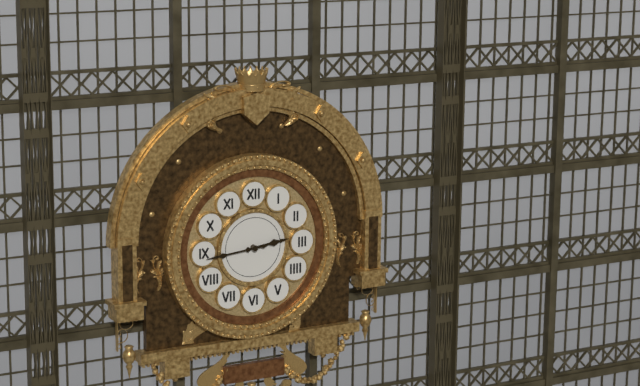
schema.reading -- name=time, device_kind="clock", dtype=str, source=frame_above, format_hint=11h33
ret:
2h44
